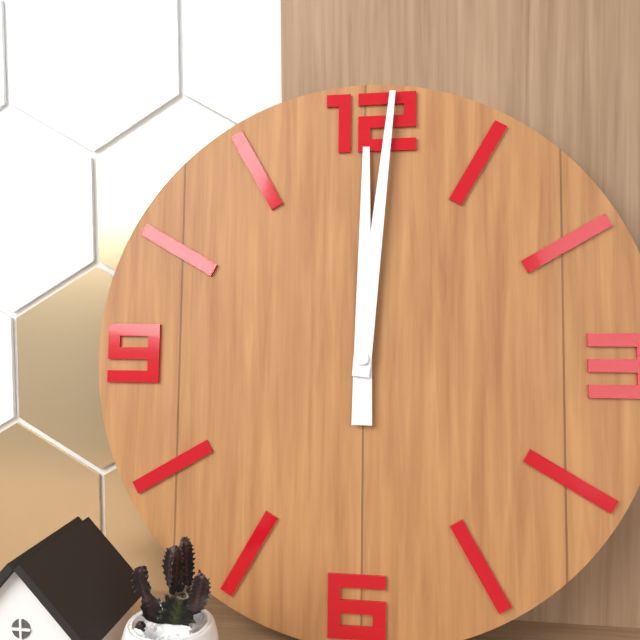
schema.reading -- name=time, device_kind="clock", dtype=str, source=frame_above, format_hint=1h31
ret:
12h01
